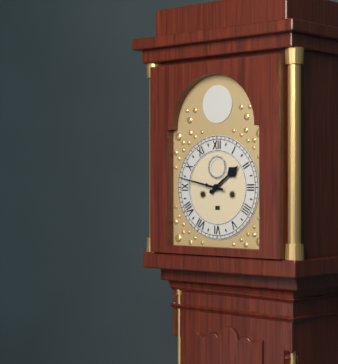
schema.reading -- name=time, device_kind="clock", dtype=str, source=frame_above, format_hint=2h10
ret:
1h47
